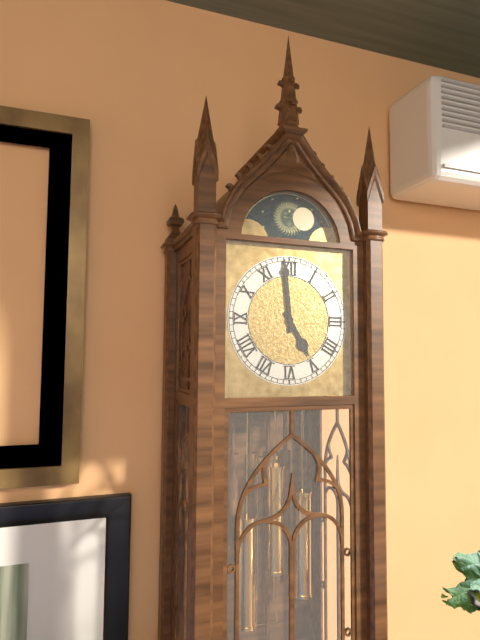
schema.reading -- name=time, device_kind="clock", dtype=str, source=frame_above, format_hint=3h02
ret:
4h59
